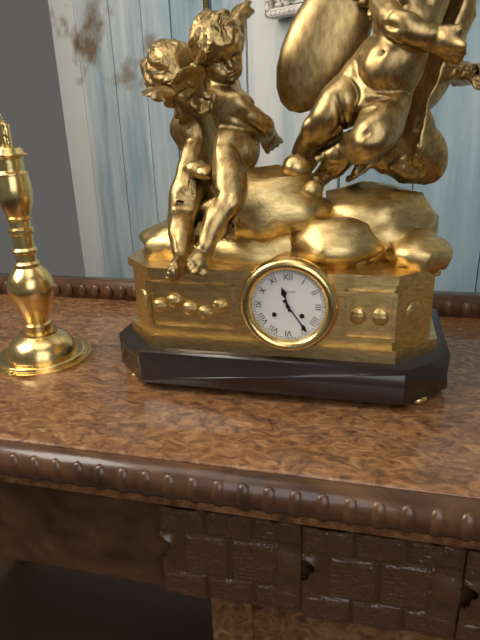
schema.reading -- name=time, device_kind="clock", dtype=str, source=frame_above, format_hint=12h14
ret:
11h24
